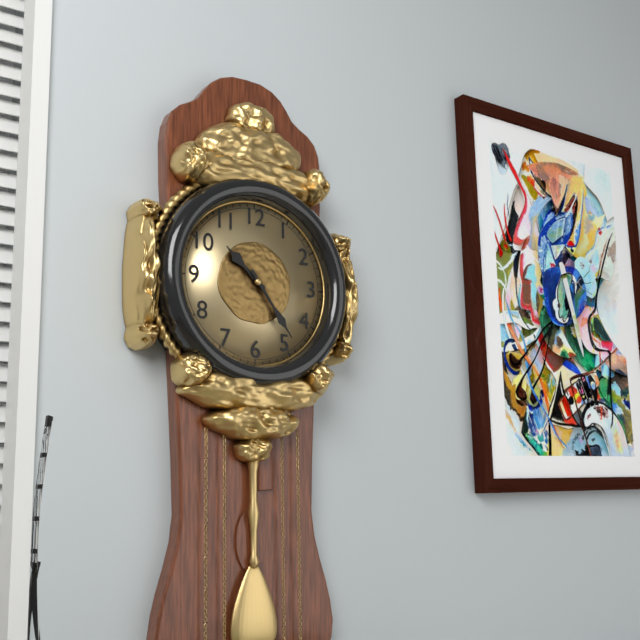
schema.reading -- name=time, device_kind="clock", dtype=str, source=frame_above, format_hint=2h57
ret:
10h24
